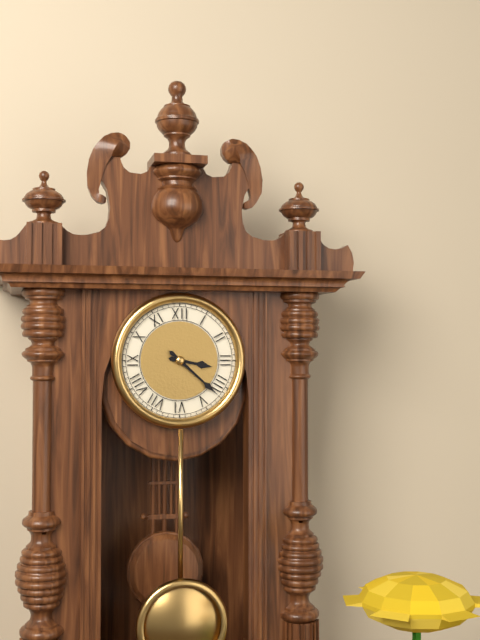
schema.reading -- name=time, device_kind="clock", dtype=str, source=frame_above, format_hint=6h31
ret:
3h22
